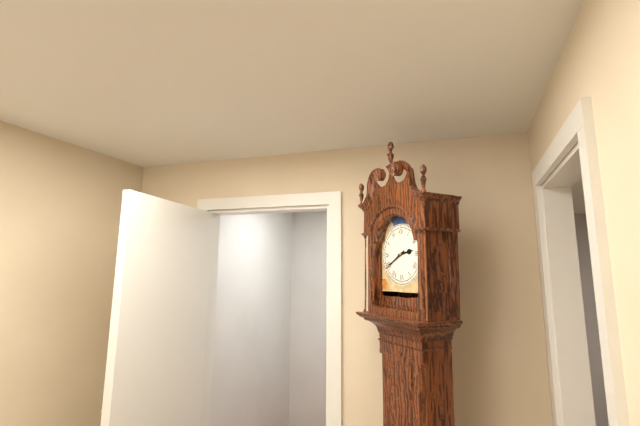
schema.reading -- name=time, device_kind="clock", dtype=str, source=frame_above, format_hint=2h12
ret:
2h40
